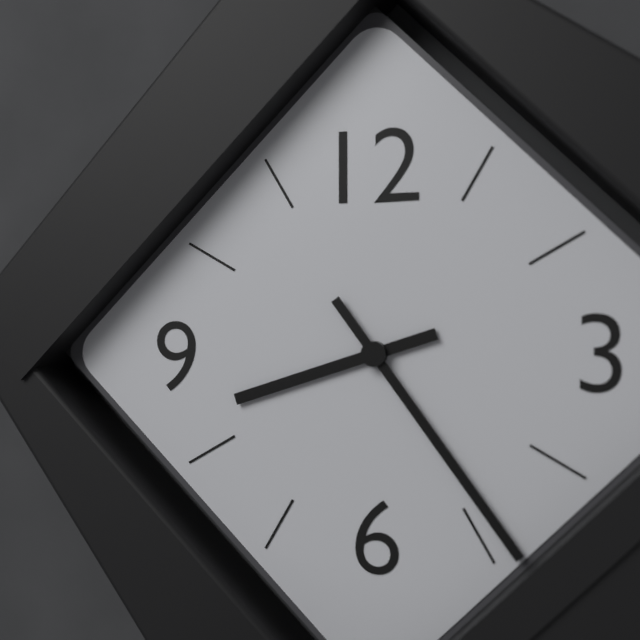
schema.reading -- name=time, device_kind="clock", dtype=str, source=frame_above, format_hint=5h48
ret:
8h24
